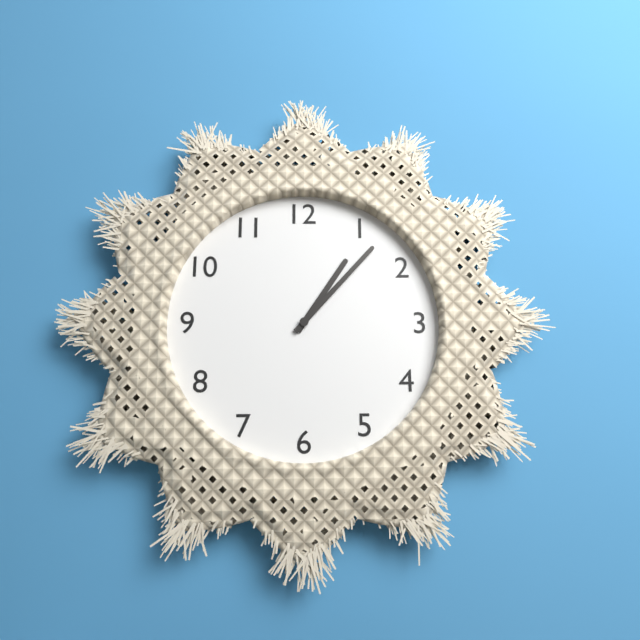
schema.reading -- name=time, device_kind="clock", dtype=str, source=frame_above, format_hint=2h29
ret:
1h07
